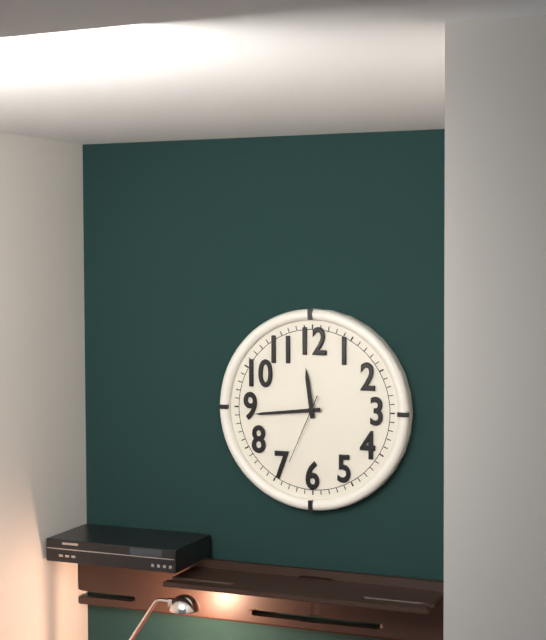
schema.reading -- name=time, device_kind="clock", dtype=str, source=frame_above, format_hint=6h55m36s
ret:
11h44m34s
